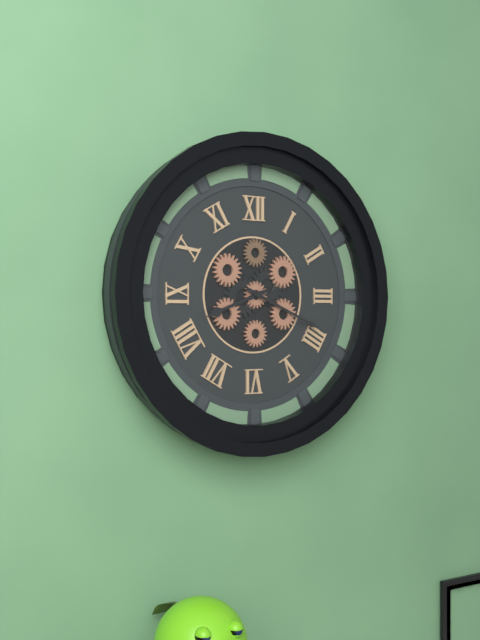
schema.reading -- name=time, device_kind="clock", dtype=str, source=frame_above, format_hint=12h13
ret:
8h19
